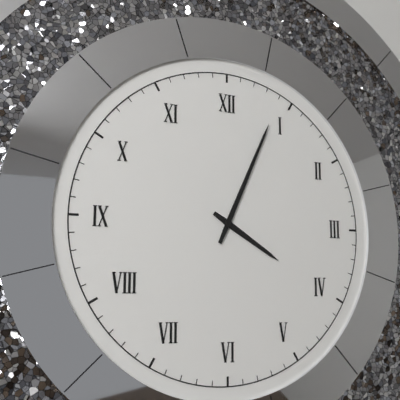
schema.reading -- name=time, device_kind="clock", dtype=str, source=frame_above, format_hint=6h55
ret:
4h04
